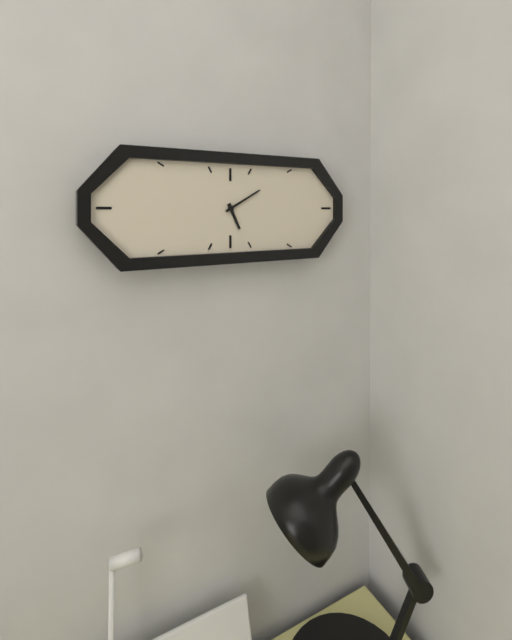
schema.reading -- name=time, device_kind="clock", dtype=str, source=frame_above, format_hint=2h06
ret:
5h10
